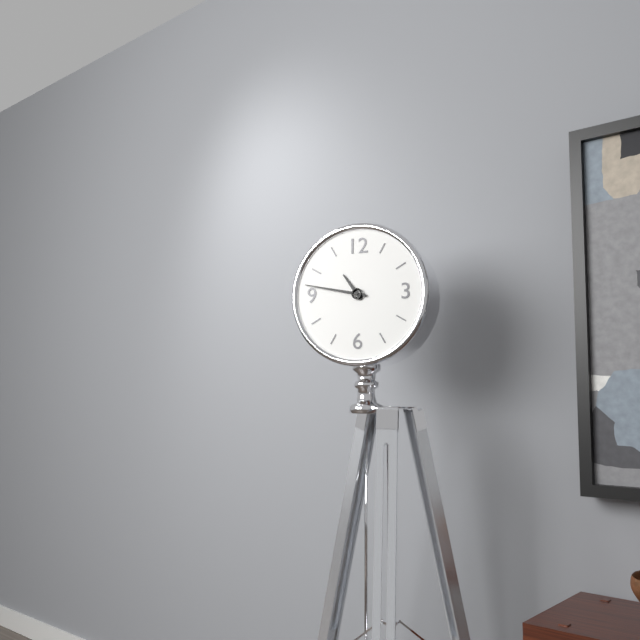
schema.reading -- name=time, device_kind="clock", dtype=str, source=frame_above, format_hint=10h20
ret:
10h47
